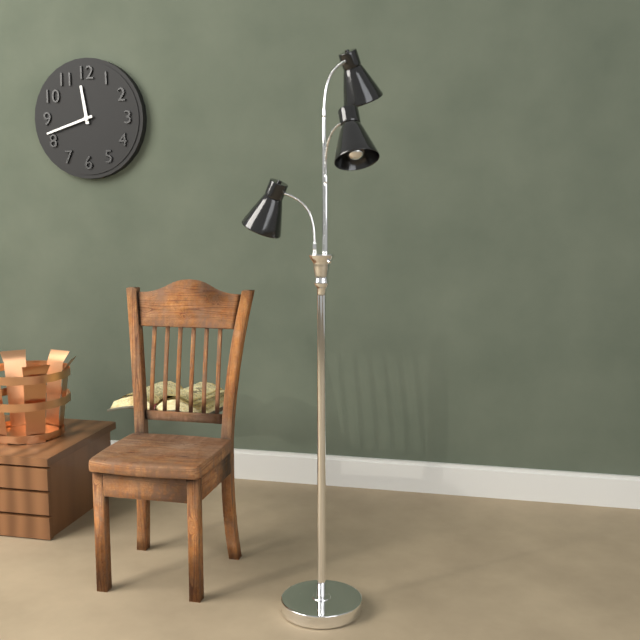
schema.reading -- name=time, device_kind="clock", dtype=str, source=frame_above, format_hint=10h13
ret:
11h42
